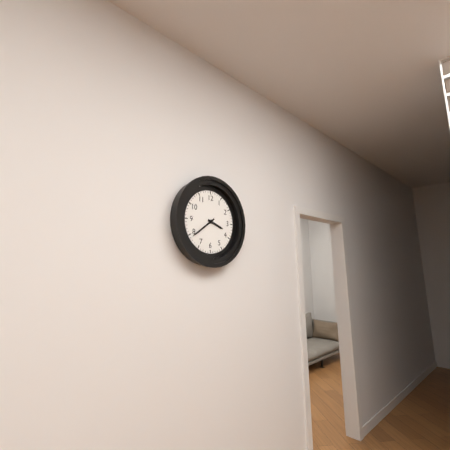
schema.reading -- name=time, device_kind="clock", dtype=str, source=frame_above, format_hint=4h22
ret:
3h39
